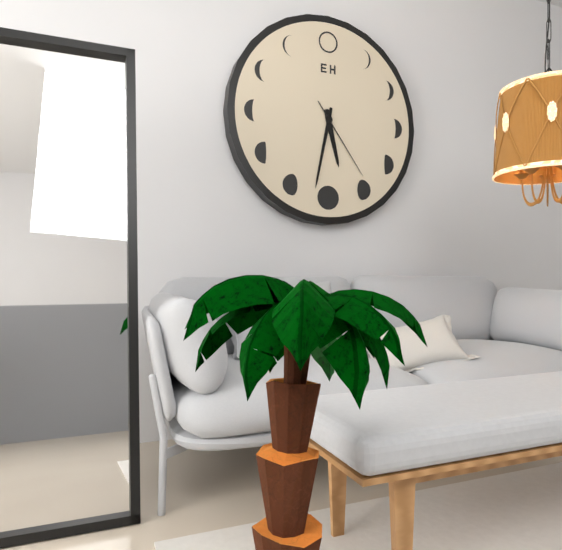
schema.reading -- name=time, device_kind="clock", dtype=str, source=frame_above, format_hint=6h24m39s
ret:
5h32m24s
